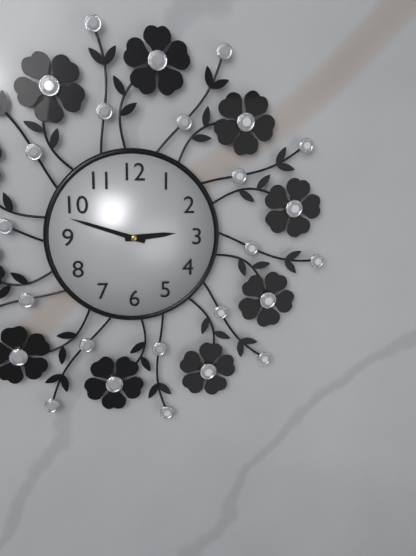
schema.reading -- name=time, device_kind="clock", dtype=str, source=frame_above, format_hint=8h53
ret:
2h48
